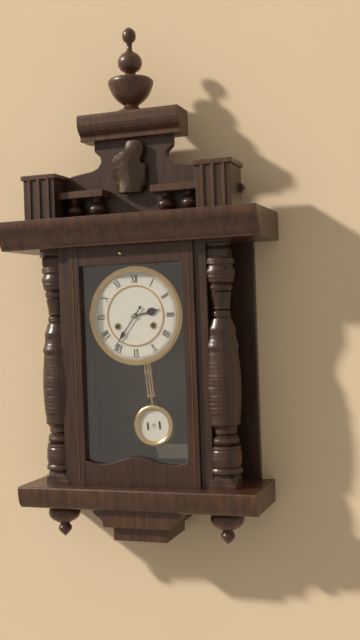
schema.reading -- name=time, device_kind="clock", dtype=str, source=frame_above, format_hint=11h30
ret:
2h36
